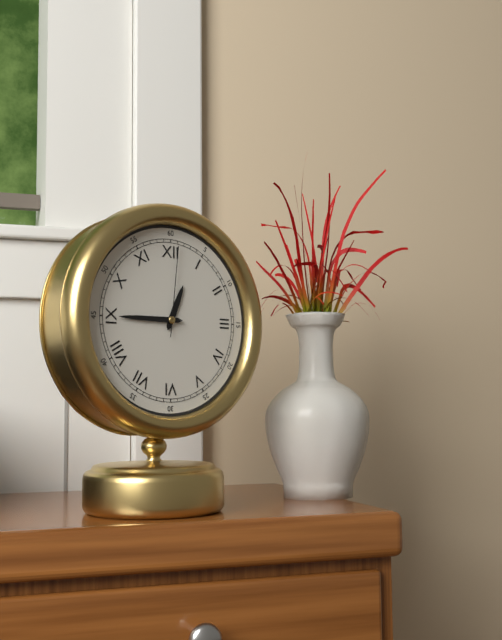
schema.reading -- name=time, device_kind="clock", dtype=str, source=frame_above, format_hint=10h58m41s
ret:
12h45m01s
